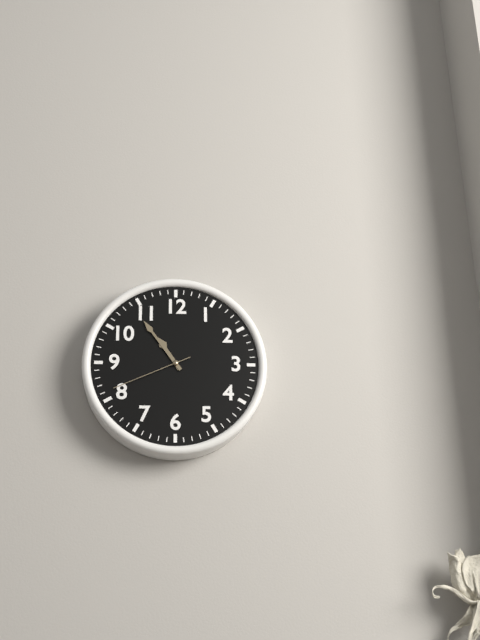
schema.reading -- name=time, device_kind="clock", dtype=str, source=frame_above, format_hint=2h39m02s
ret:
10h54m41s
